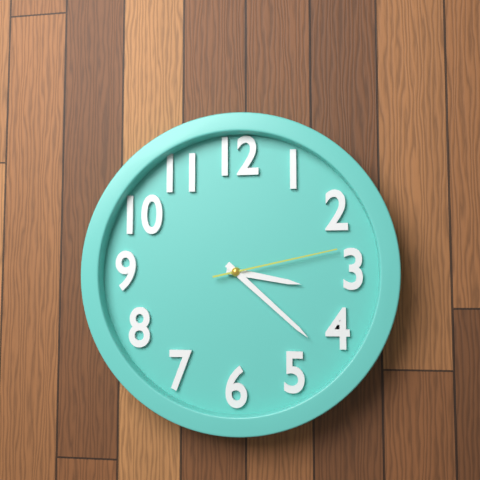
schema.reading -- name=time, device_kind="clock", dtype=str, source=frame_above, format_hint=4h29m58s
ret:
3h22m13s
